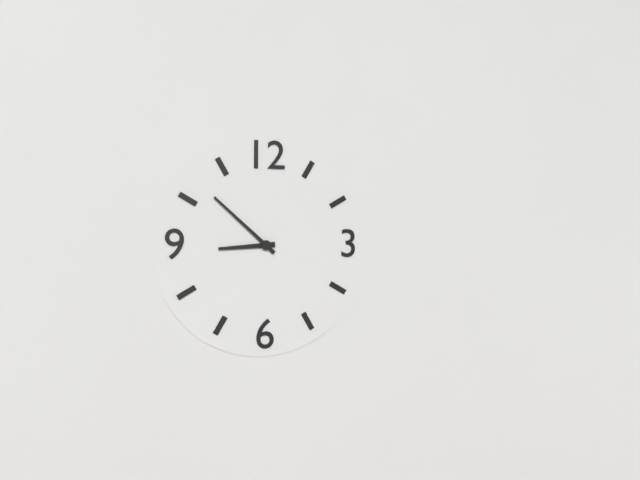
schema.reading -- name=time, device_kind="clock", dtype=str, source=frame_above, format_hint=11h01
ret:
8h52
